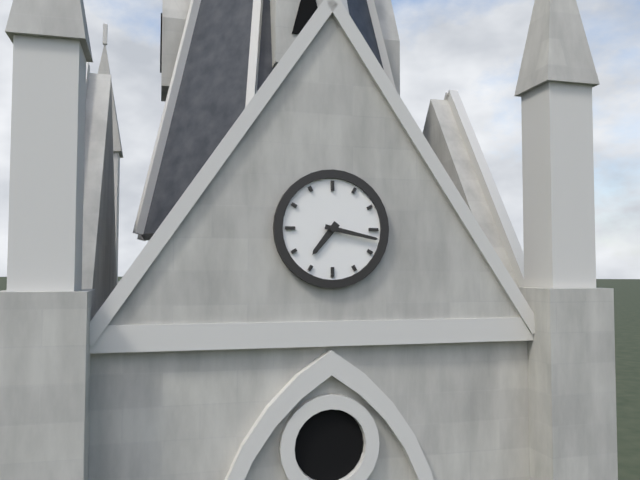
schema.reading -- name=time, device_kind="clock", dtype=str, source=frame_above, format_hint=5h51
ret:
7h17
